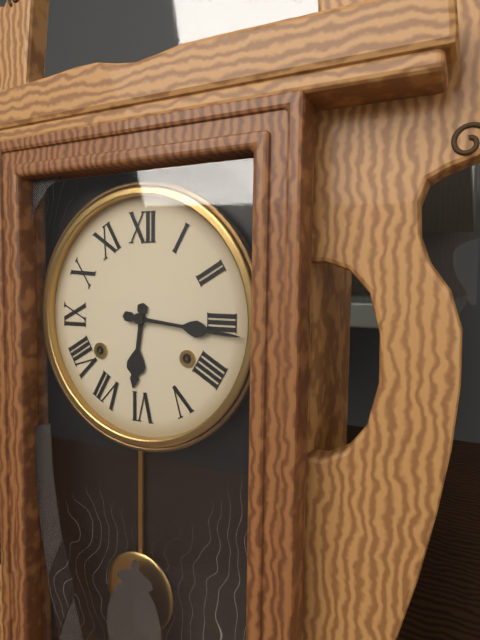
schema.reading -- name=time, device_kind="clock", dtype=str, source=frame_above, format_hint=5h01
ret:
6h16
